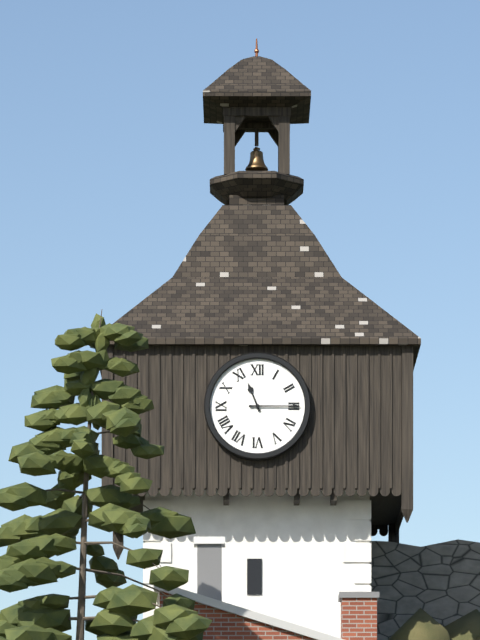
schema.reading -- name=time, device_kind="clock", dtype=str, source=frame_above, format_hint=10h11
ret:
11h15
